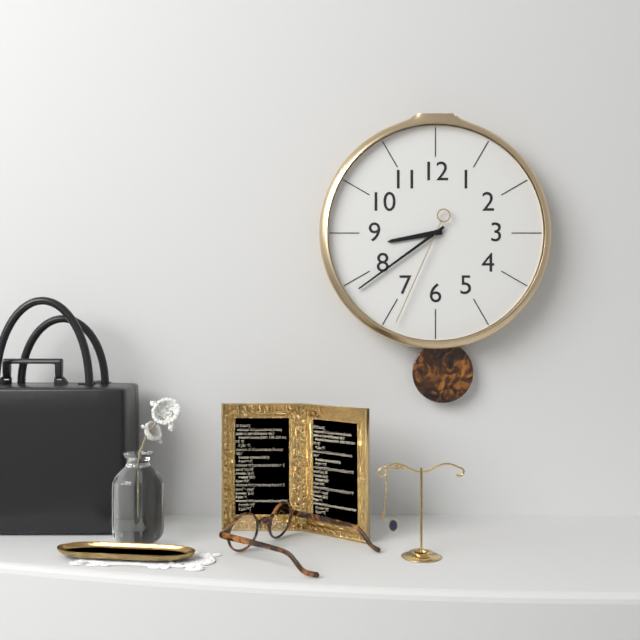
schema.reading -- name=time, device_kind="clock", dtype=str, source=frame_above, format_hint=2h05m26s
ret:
8h39m34s
